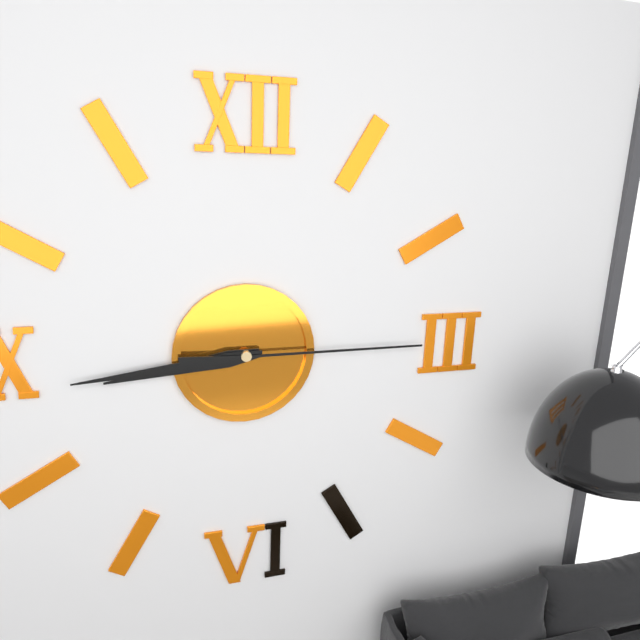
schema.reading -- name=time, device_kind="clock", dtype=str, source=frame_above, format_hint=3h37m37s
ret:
8h44m15s
